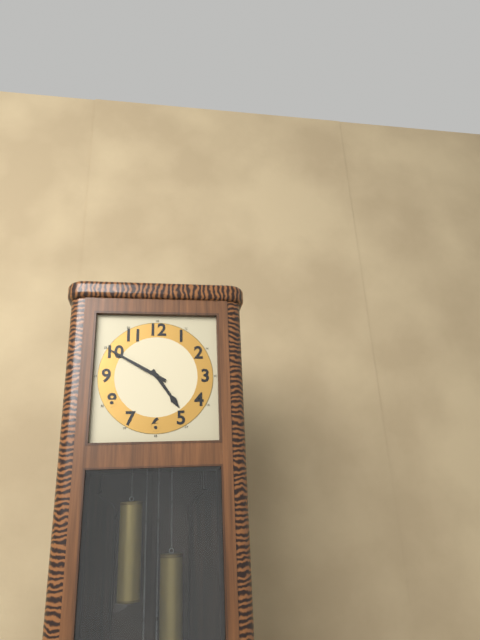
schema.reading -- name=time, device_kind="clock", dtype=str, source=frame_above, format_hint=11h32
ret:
4h50
